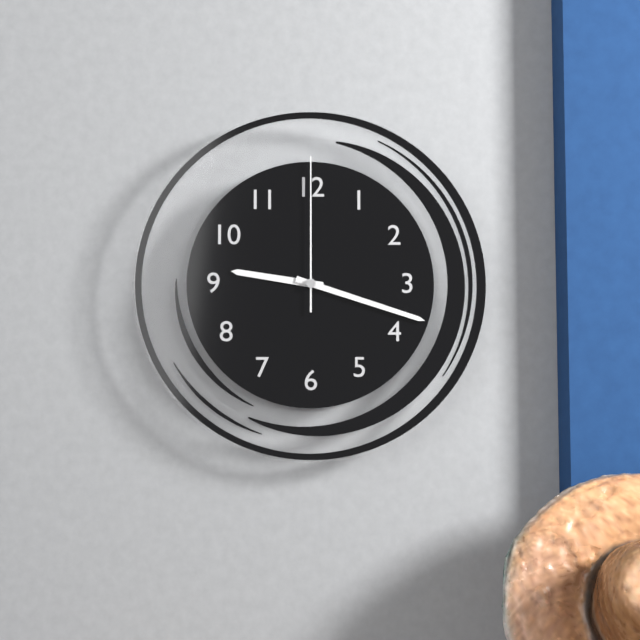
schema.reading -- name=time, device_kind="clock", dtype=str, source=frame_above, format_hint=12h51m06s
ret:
9h18m00s
